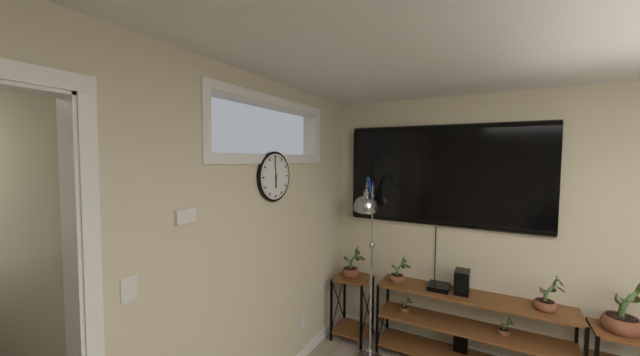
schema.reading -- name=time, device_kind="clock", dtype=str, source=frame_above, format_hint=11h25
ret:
5h59
